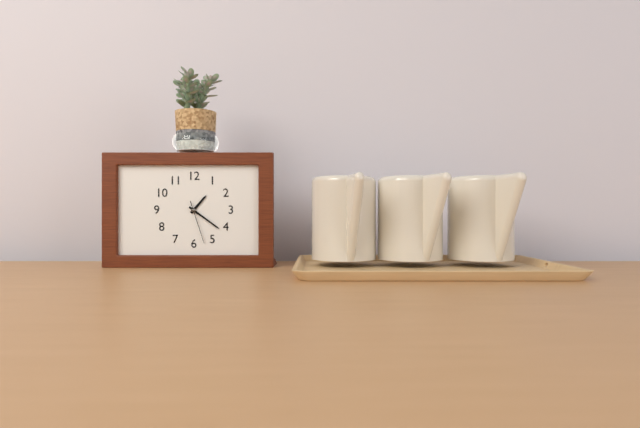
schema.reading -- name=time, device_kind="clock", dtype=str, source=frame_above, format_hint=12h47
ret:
1h21
